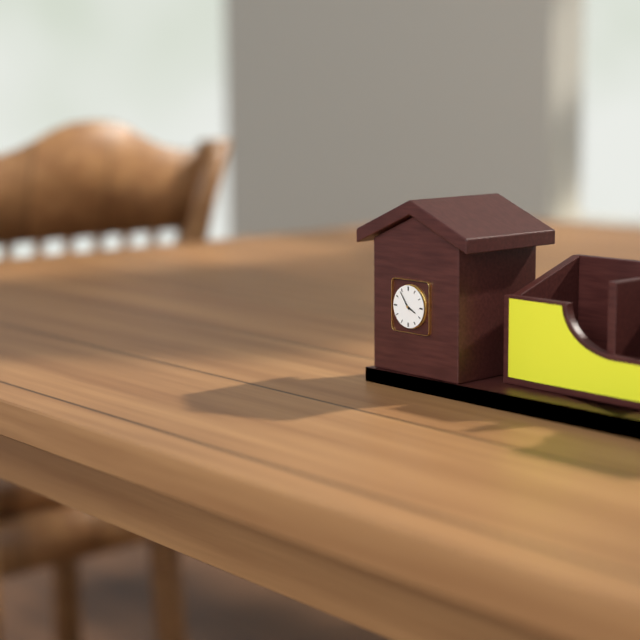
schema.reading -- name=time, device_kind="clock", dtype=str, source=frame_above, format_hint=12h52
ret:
3h54
